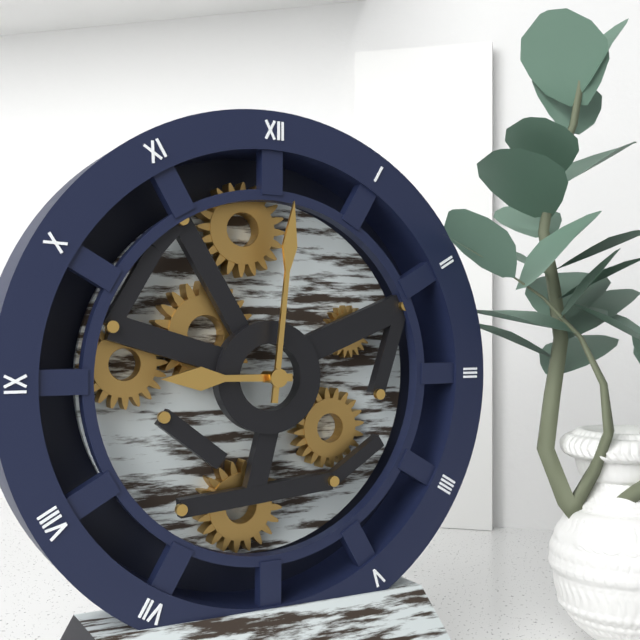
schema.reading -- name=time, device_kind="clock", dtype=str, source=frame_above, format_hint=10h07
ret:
9h01
